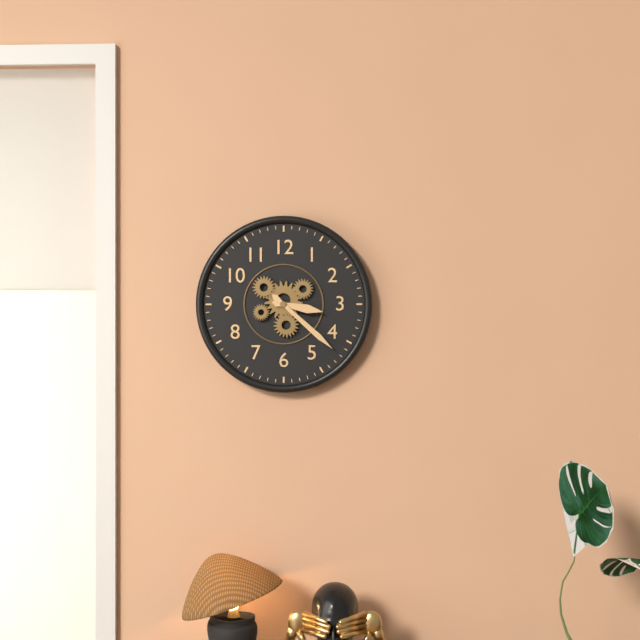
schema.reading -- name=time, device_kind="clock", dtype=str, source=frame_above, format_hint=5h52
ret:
3h22
